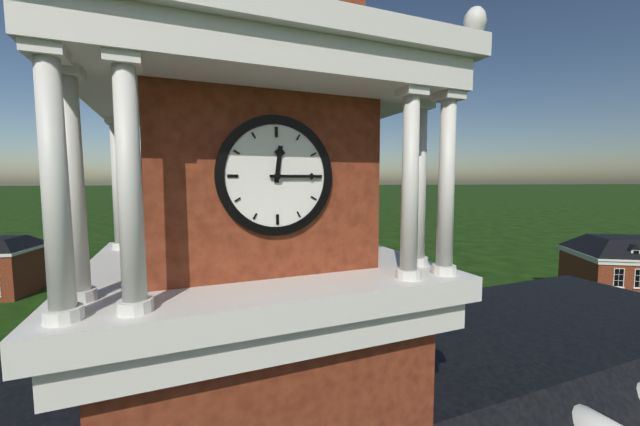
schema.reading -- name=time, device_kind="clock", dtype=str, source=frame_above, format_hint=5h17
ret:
12h15
